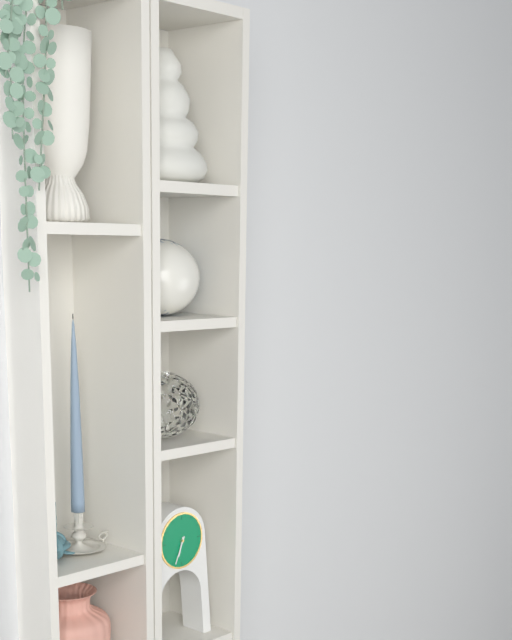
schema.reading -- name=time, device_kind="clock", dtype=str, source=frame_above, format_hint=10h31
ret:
6h34
